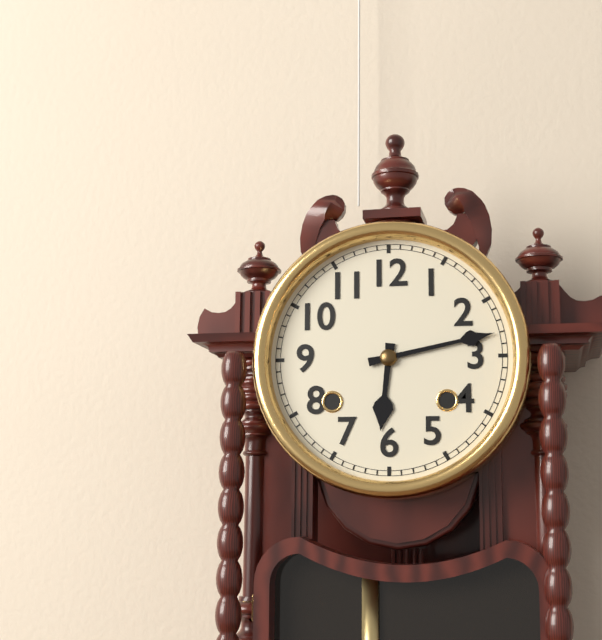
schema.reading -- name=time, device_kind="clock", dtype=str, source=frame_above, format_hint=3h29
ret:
6h13
